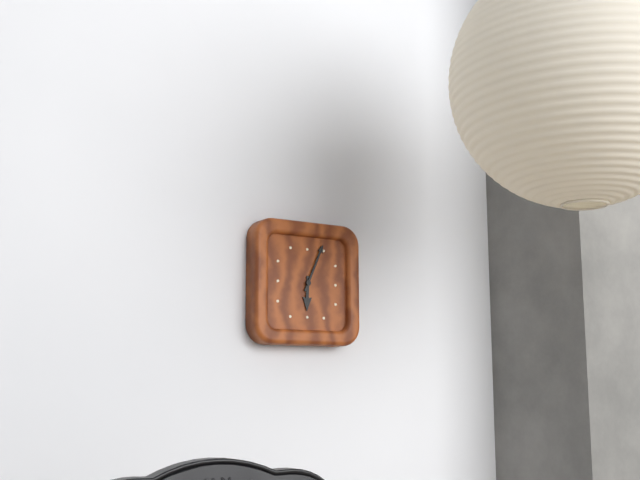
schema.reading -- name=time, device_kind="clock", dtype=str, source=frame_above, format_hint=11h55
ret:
6h04
